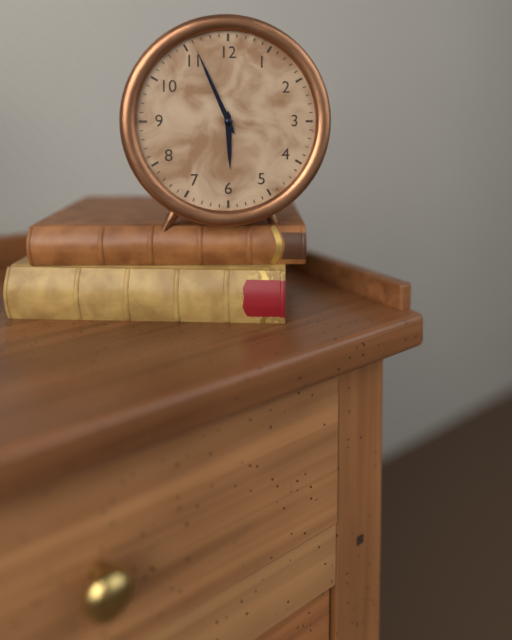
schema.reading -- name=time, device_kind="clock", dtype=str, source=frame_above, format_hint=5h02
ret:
5h56
